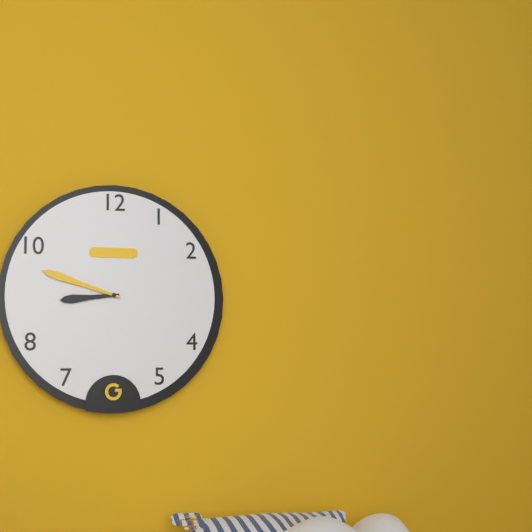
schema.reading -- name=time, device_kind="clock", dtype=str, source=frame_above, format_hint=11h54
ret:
8h48
